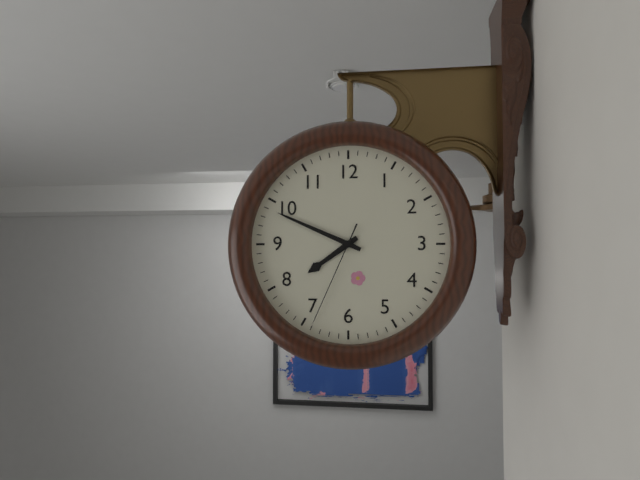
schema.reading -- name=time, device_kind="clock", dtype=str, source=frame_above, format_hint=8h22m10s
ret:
7h49m34s
